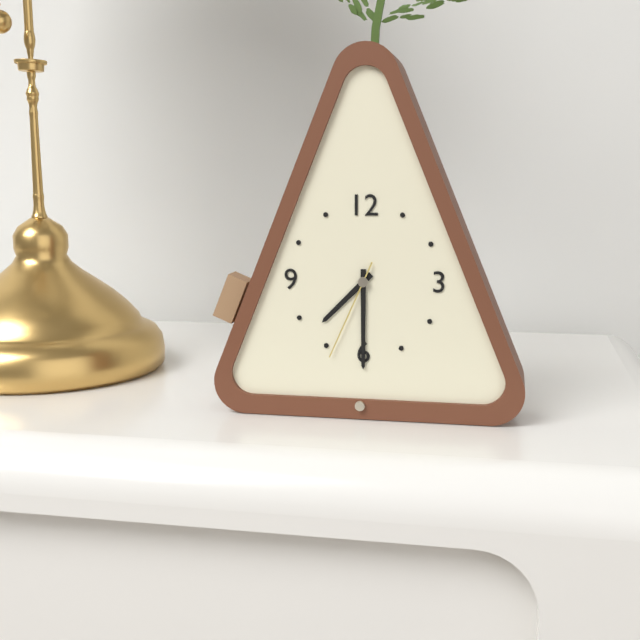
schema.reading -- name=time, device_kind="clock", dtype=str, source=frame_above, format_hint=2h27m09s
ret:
7h30m34s
